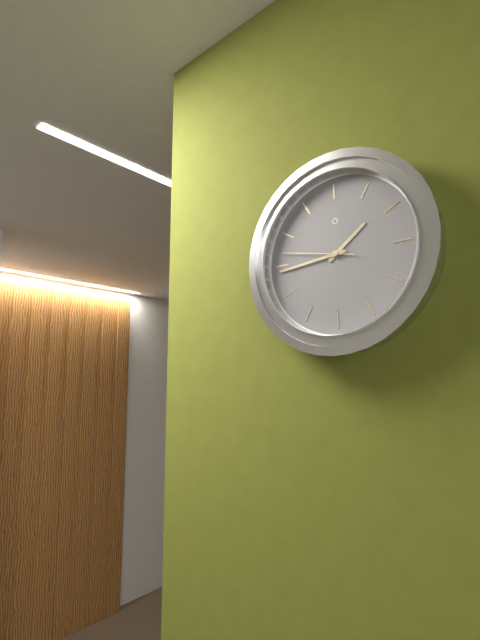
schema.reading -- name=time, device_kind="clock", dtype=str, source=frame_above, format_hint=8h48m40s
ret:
1h44m47s
